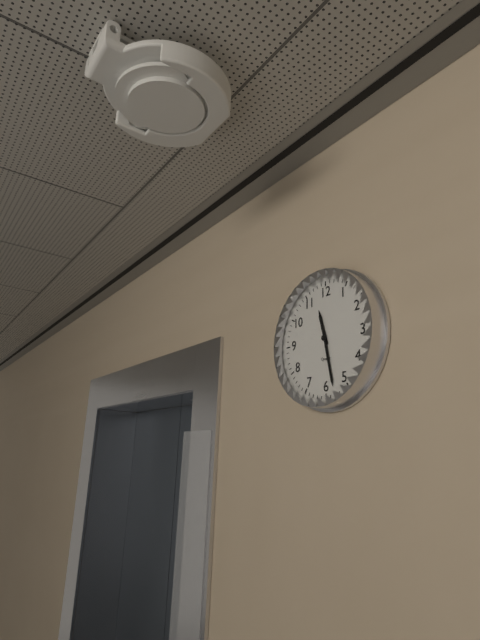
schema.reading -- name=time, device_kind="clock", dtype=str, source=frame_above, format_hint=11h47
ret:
11h28
